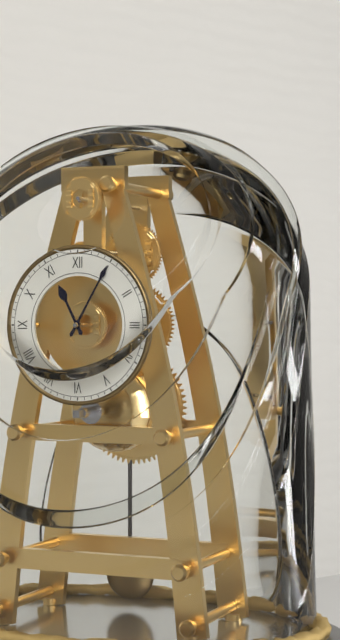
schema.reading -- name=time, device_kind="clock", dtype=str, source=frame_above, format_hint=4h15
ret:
11h05
